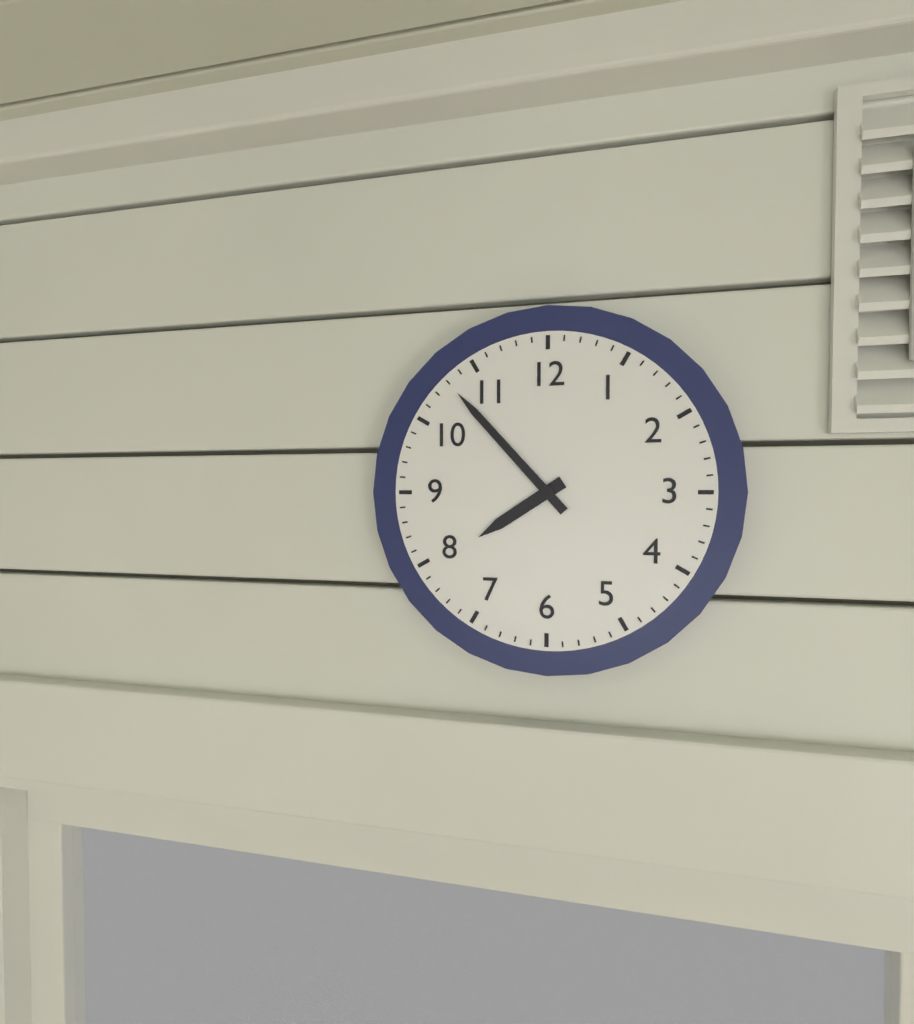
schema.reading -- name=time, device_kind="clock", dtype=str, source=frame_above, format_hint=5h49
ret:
7h53
